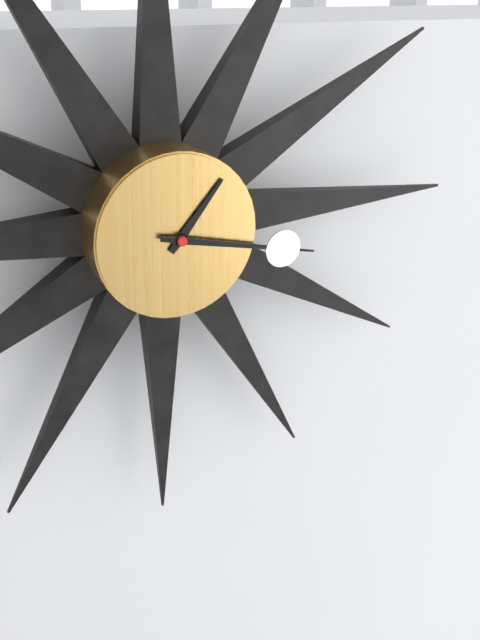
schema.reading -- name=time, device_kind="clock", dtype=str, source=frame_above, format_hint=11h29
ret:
1h17
